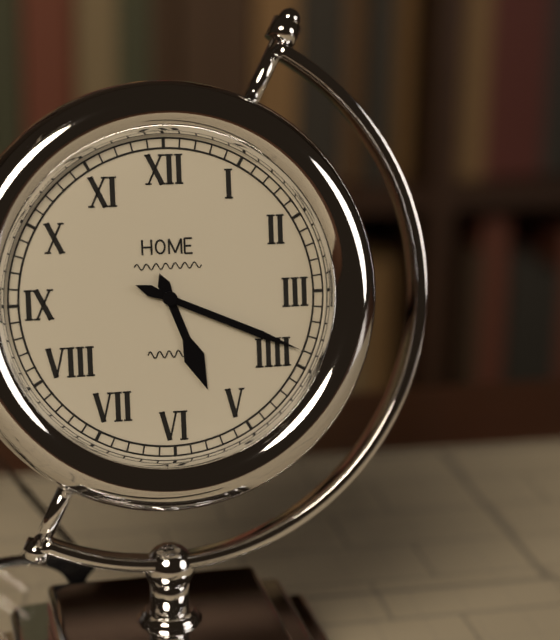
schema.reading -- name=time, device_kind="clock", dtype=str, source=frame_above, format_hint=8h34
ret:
5h19
